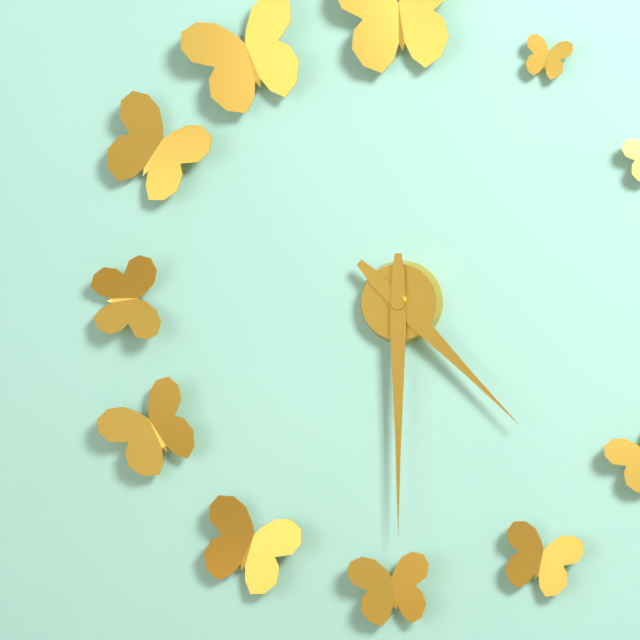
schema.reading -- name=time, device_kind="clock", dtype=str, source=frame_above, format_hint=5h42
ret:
4h30
